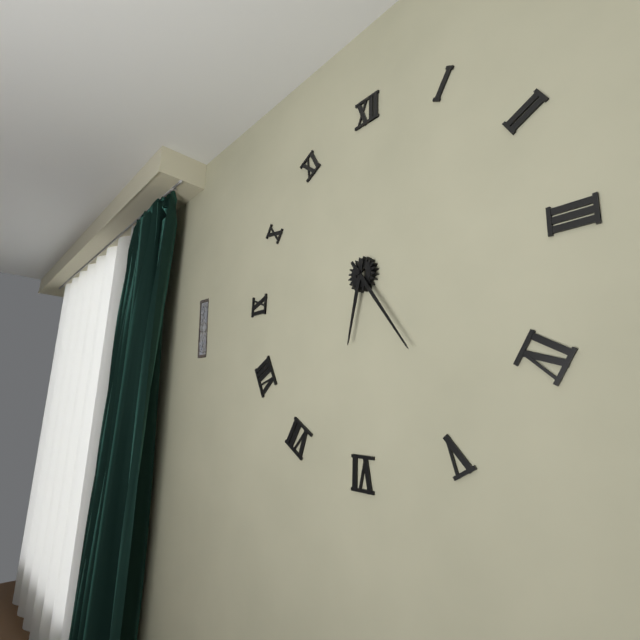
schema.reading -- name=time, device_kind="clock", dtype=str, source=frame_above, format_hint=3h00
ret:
6h24
